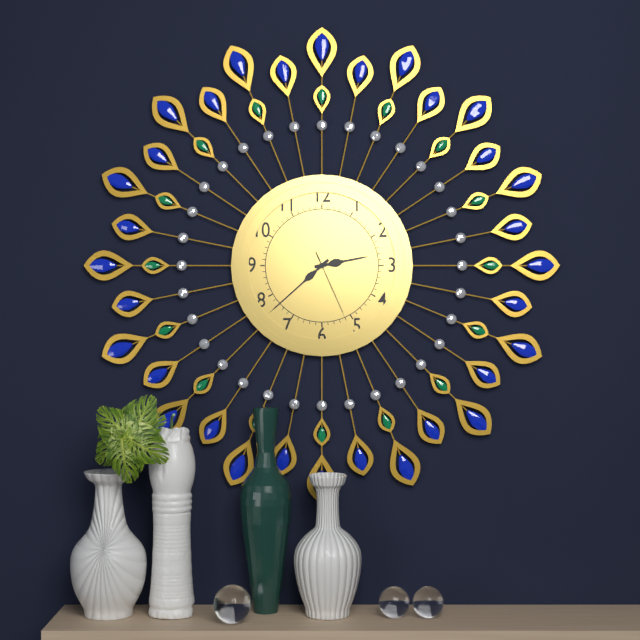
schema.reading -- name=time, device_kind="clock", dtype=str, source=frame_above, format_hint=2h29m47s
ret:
2h38m26s
